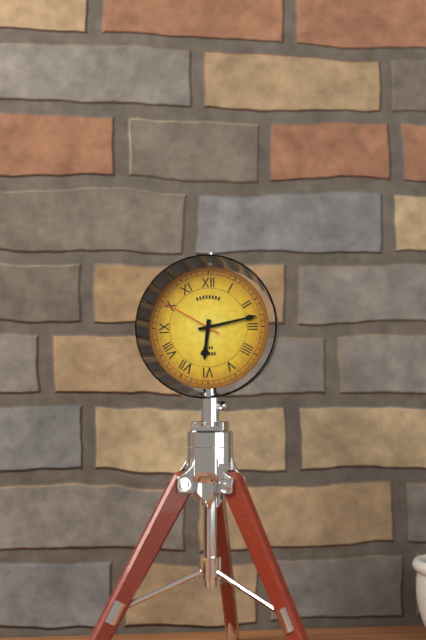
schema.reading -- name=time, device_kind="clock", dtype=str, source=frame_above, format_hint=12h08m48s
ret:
6h13m50s
